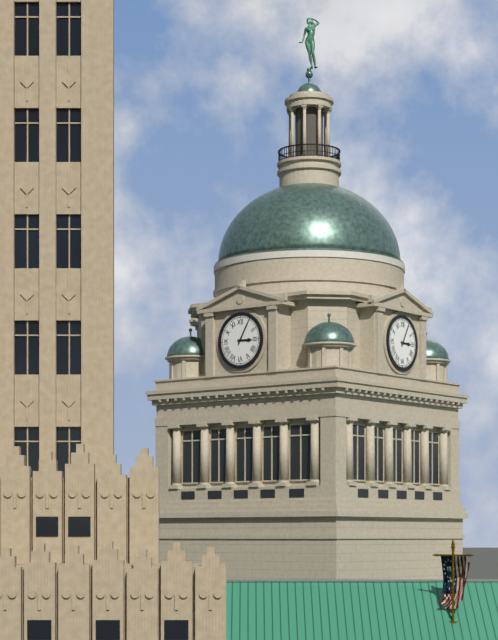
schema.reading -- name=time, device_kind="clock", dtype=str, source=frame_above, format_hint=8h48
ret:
3h05
